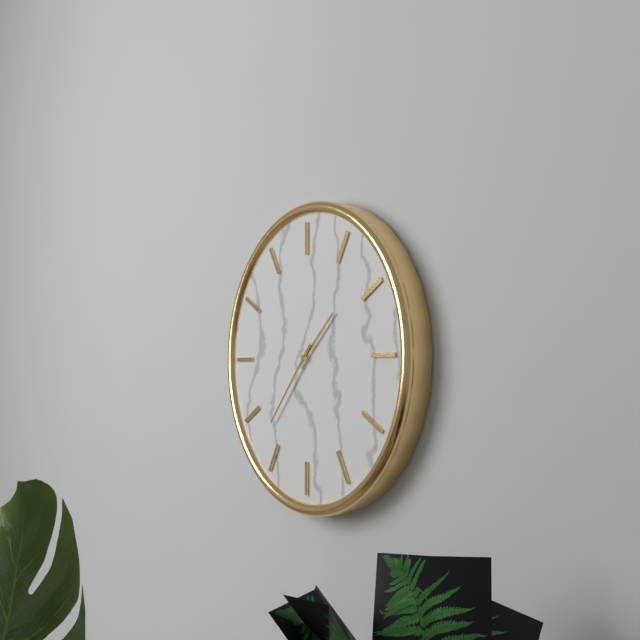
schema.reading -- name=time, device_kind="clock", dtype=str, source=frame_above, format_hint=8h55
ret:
1h37
